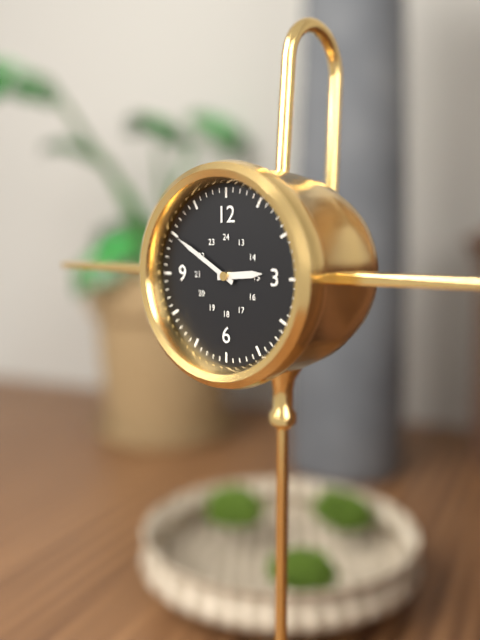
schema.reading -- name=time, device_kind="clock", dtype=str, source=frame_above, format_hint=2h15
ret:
2h50
